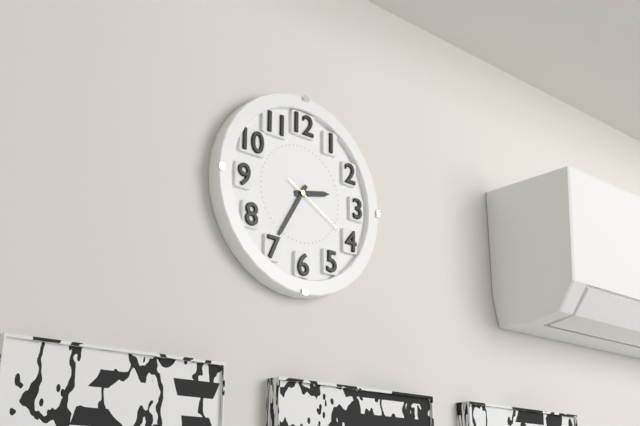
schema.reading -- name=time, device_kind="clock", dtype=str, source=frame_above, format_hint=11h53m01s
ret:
2h35m20s
